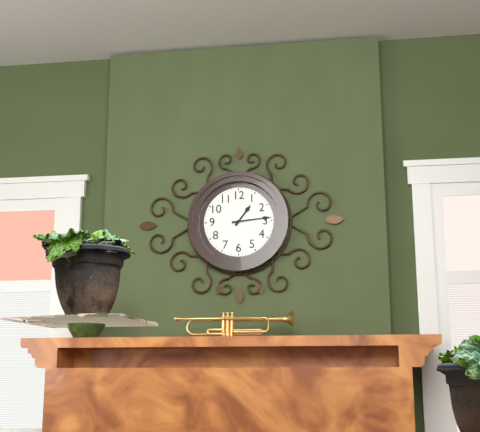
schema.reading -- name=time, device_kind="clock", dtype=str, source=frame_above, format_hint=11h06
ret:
1h14
